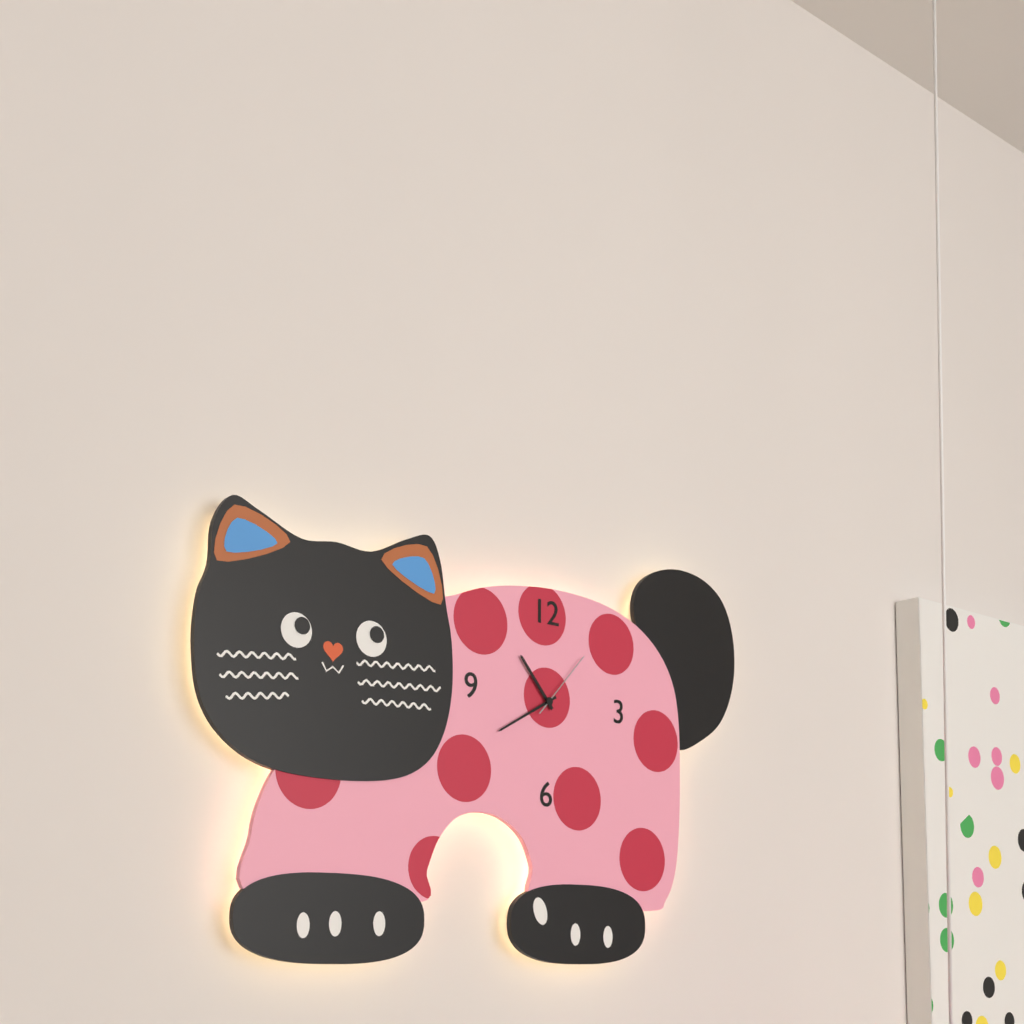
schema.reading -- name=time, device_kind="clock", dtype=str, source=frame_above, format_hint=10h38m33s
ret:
10h40m07s
